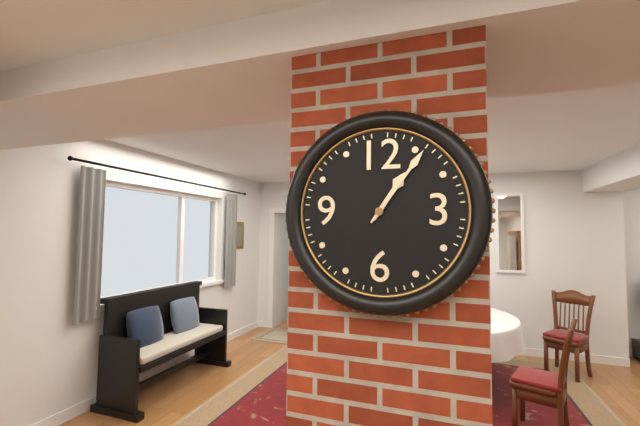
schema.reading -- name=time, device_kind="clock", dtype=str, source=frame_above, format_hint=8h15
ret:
1h06
